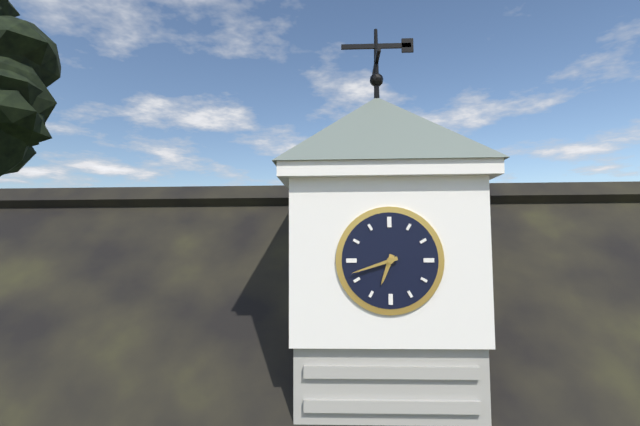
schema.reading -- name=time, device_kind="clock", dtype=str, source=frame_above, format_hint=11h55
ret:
6h42
